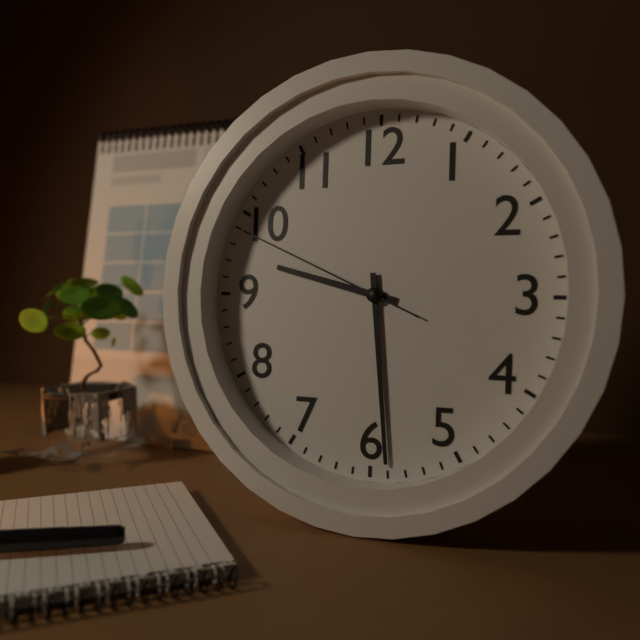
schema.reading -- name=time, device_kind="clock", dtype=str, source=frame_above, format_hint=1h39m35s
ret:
9h29m49s
